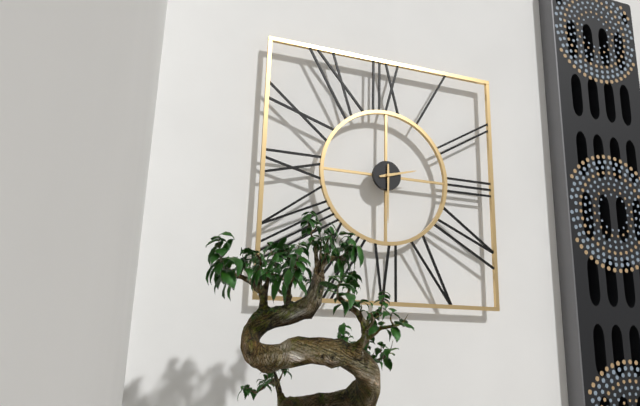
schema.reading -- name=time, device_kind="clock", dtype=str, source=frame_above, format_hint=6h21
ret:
2h30
